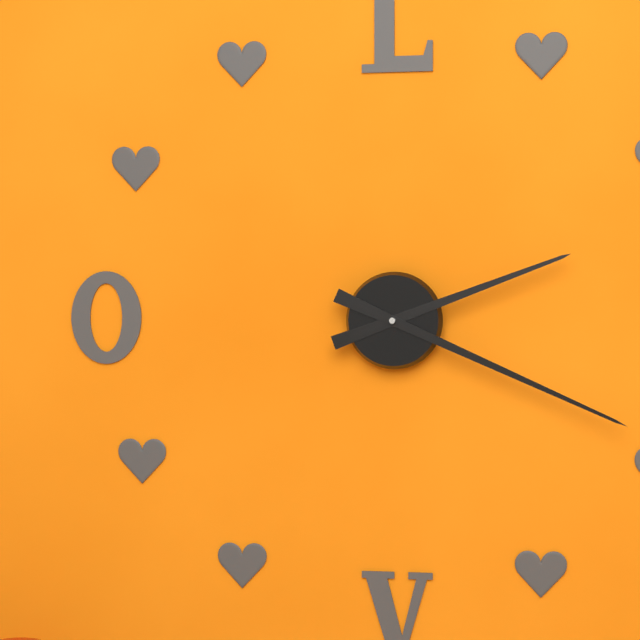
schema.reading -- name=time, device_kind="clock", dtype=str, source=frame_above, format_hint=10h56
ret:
2h19
